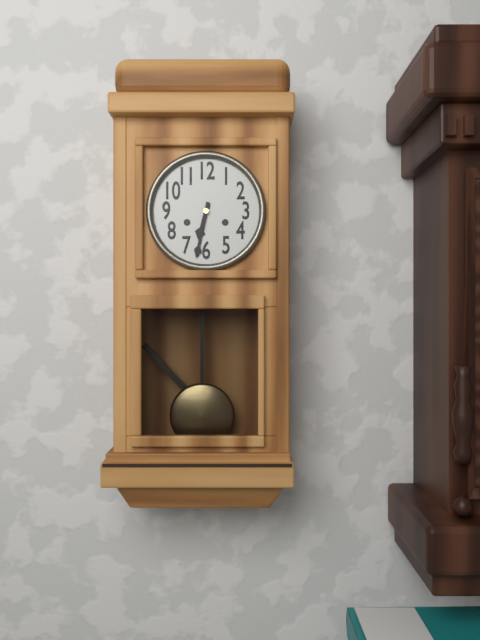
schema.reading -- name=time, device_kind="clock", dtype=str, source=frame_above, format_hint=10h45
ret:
6h32
